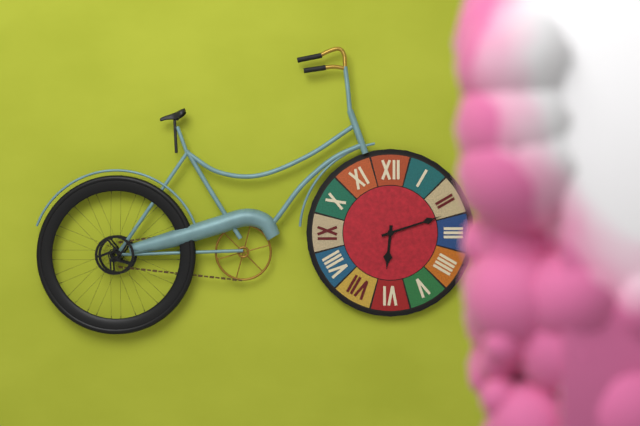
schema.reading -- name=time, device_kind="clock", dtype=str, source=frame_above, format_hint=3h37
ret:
6h12
